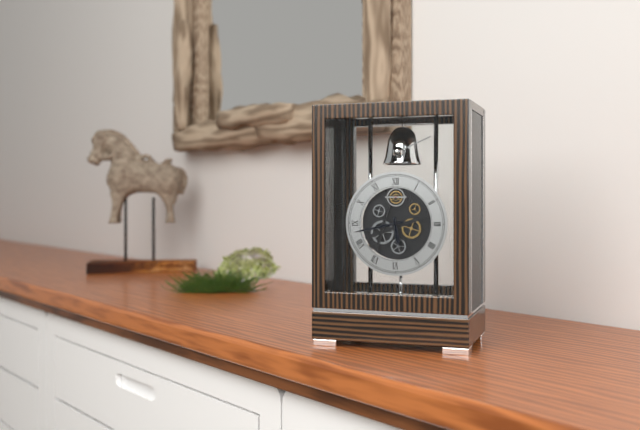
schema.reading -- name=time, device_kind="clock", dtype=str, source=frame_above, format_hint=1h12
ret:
5h43
